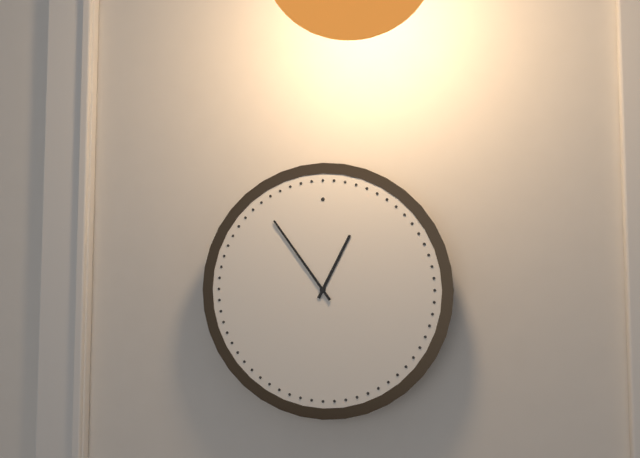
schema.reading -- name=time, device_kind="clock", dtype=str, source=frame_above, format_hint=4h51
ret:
12h54
